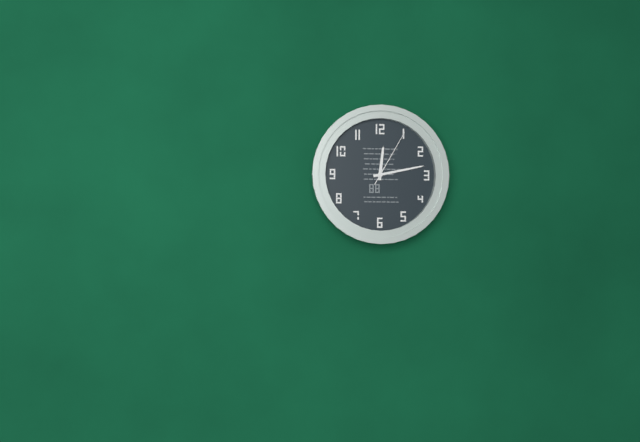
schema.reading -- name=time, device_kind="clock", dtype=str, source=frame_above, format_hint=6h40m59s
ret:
12h13m05s
